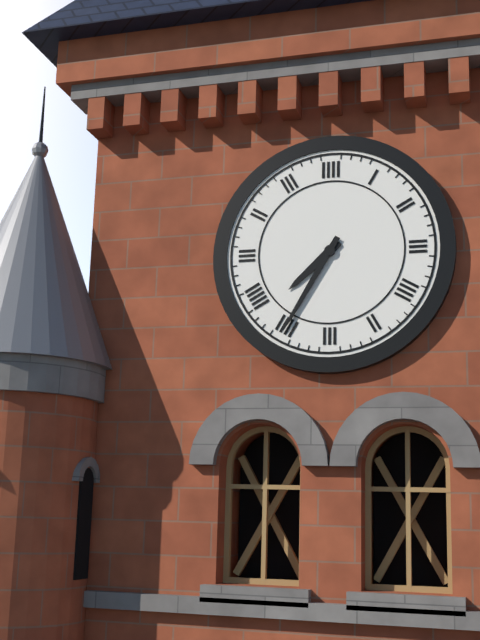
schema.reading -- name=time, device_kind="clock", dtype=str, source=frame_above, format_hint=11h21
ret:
7h35
